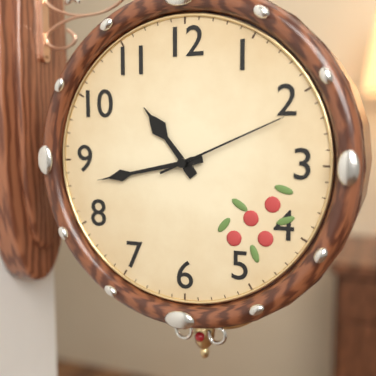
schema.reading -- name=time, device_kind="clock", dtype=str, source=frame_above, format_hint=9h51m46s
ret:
10h43m11s
